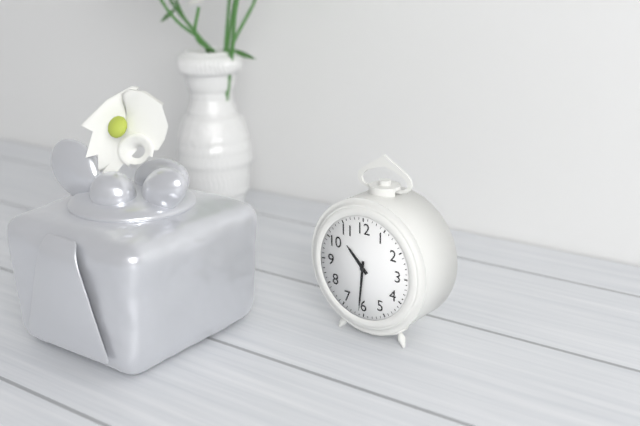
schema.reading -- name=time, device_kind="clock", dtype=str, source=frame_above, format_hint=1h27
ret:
10h31
